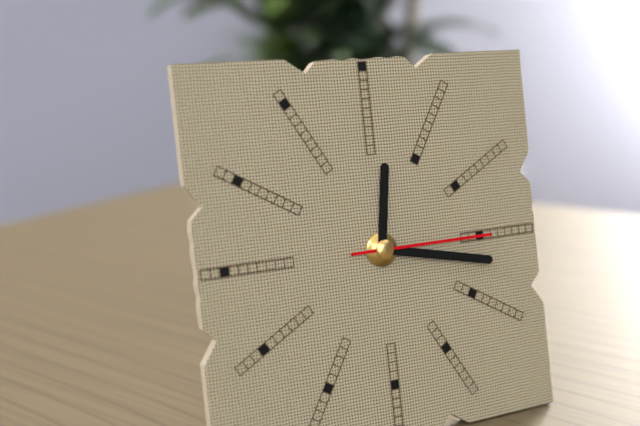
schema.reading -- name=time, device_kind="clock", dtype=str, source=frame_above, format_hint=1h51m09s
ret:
12h17m15s
